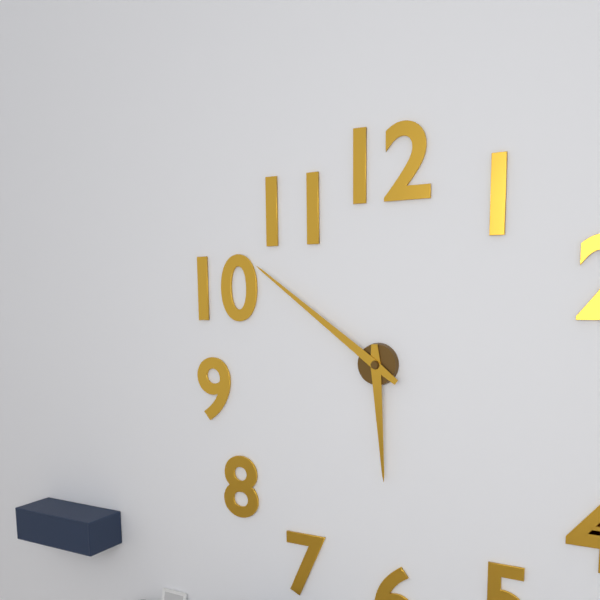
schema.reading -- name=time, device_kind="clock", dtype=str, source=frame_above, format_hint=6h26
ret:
5h51
